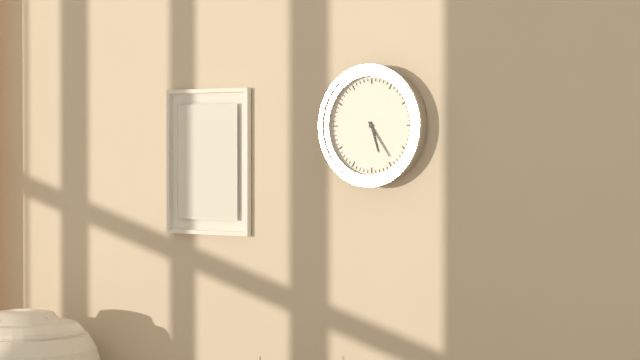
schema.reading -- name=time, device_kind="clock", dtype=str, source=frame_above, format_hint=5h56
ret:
5h24
